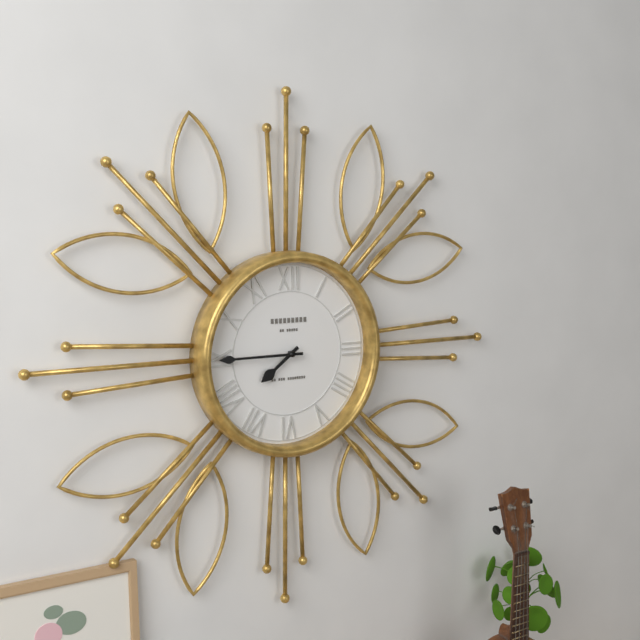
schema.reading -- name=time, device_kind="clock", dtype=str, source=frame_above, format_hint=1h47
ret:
7h45
